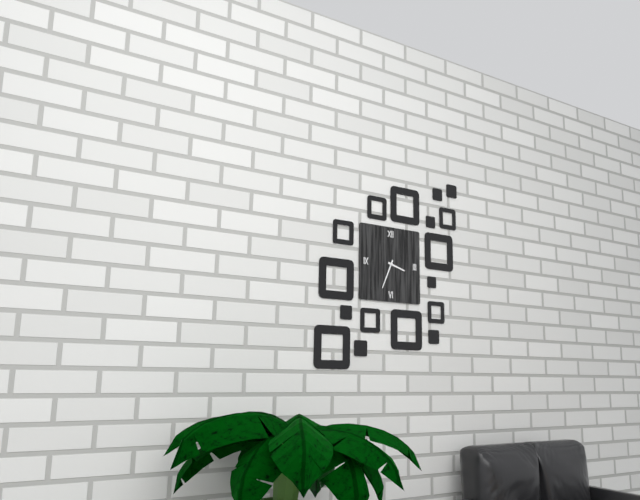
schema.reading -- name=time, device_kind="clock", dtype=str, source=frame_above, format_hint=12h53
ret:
3h34
